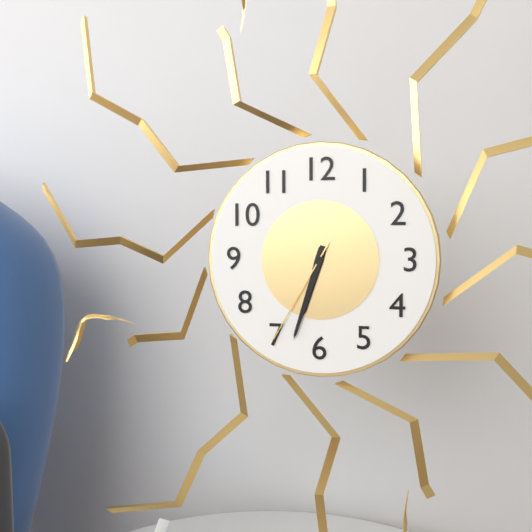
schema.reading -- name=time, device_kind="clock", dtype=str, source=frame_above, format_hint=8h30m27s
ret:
6h33m35s
